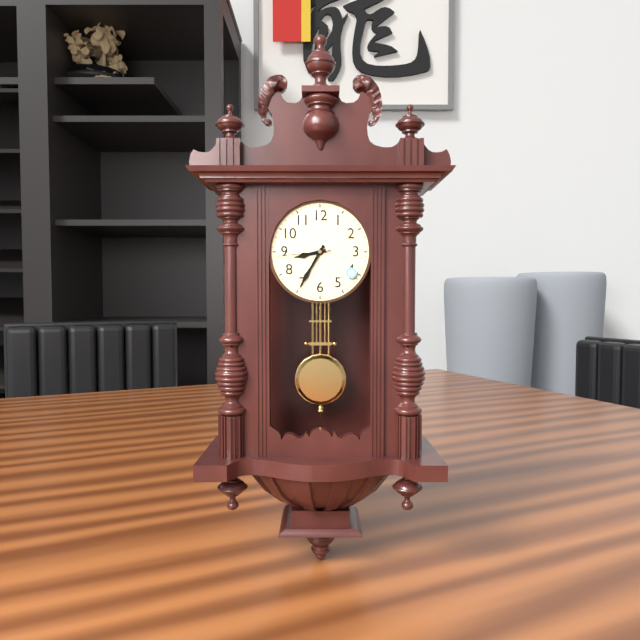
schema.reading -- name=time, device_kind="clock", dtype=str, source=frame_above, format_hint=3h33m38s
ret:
8h35m44s
